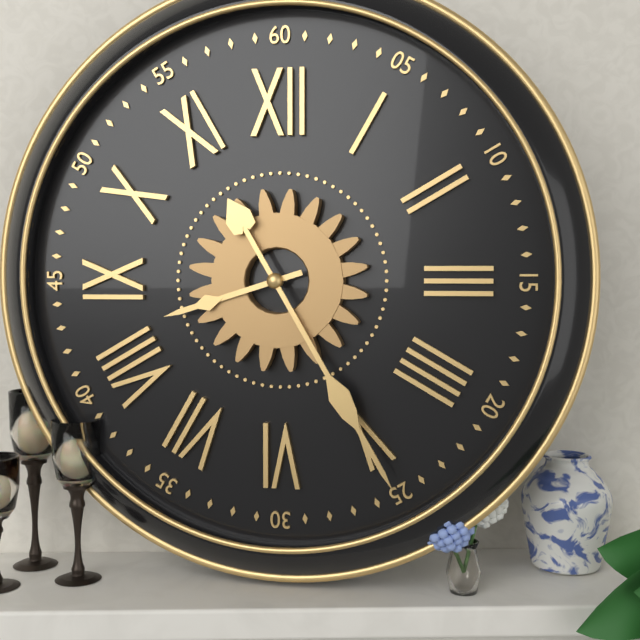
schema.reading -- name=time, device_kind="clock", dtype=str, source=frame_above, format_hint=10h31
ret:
8h25
